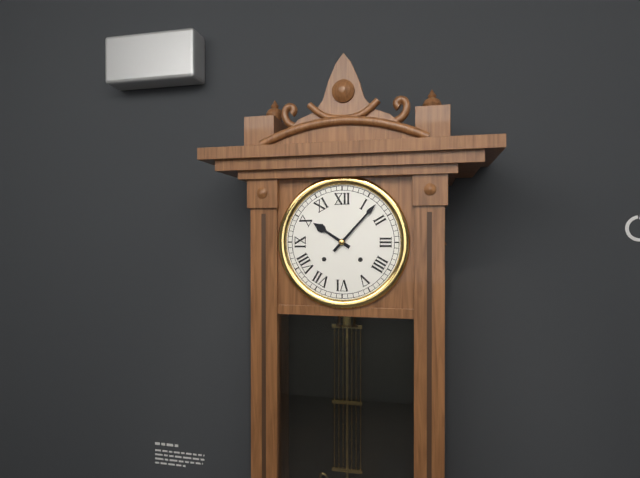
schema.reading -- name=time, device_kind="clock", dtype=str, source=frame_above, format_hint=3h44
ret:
10h07
